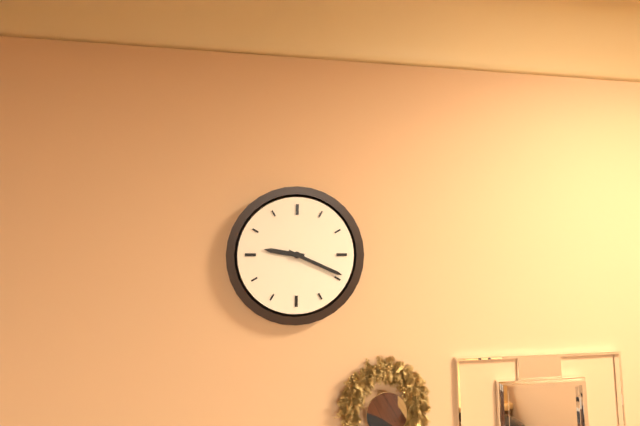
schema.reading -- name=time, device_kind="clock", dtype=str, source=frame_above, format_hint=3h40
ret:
9h19
